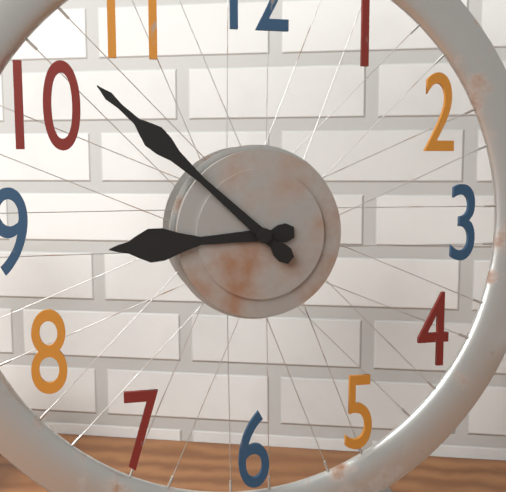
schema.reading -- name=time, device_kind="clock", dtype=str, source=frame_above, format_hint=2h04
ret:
8h52
